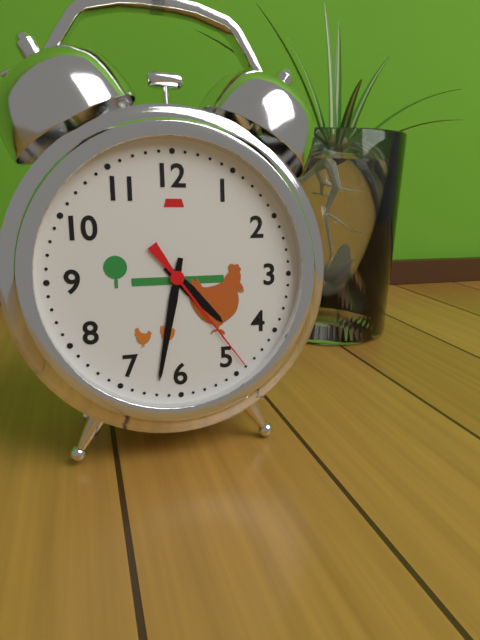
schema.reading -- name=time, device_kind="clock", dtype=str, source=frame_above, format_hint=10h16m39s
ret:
4h32m24s
